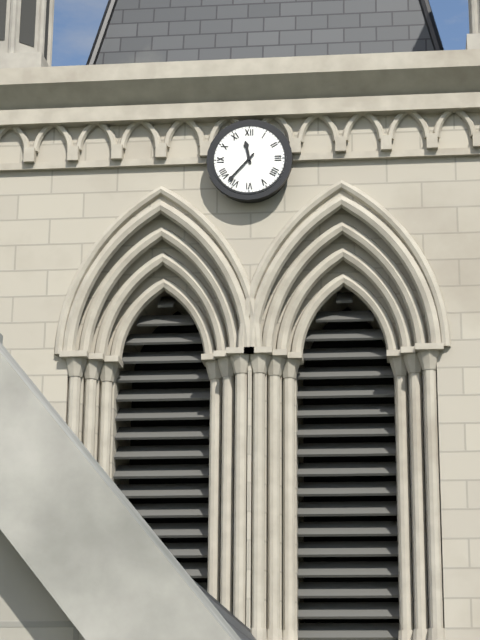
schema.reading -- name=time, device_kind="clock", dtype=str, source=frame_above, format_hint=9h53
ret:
11h37
